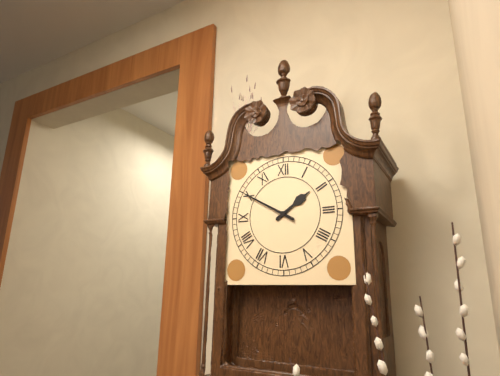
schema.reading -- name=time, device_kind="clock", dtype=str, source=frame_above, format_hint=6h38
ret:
1h50
